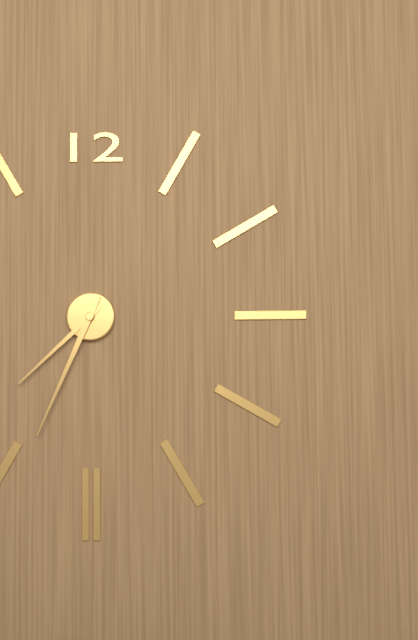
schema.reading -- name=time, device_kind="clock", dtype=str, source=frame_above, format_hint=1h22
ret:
7h34
